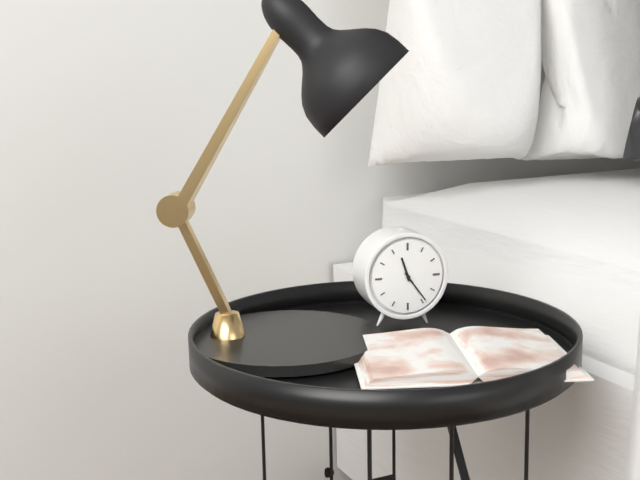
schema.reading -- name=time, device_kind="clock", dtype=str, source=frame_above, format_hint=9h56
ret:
11h24
